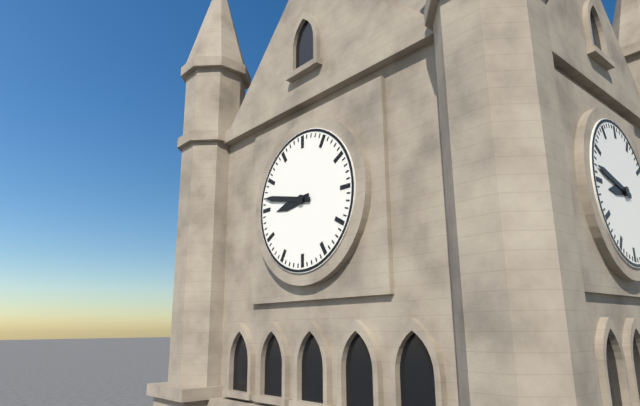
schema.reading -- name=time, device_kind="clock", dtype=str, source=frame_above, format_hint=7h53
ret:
8h47
